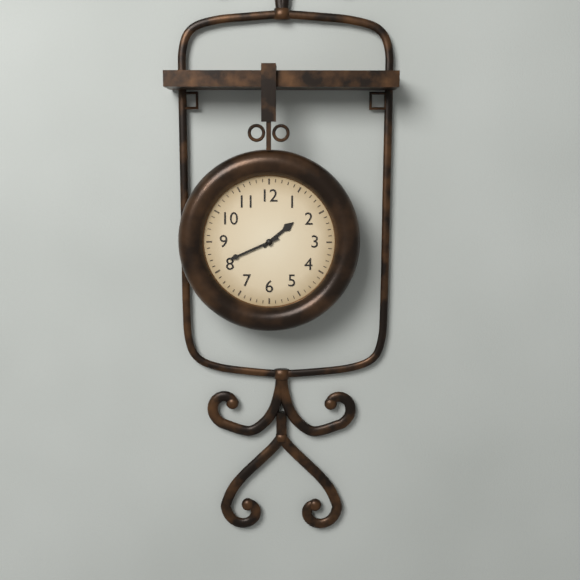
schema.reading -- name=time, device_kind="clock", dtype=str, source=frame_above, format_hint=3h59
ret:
1h41
